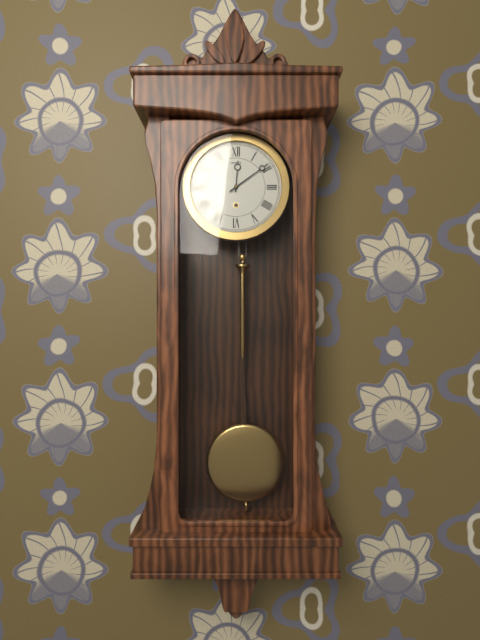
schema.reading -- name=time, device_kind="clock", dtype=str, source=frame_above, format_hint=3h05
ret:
12h09
